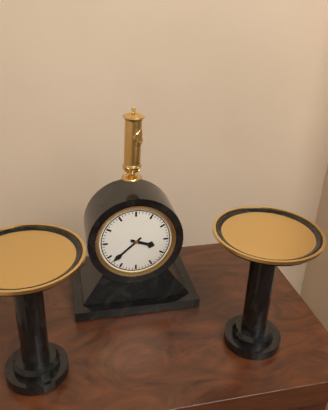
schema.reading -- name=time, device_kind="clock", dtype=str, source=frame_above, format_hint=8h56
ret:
3h38
